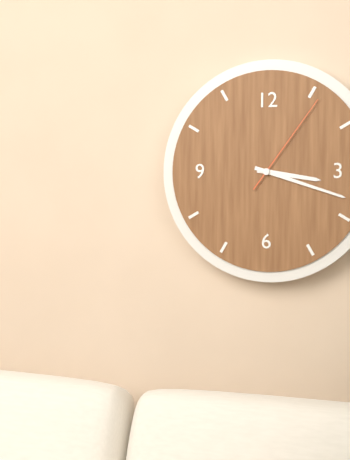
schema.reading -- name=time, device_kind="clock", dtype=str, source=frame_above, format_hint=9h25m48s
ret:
3h18m06s
